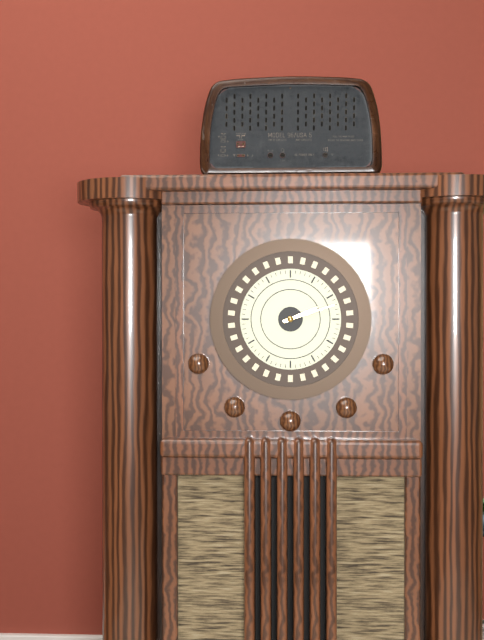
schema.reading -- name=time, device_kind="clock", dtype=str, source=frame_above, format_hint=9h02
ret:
2h12
